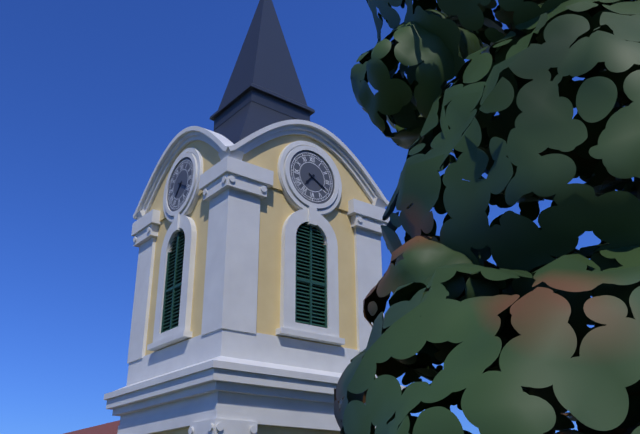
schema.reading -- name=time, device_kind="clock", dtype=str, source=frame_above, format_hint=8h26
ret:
7h20
